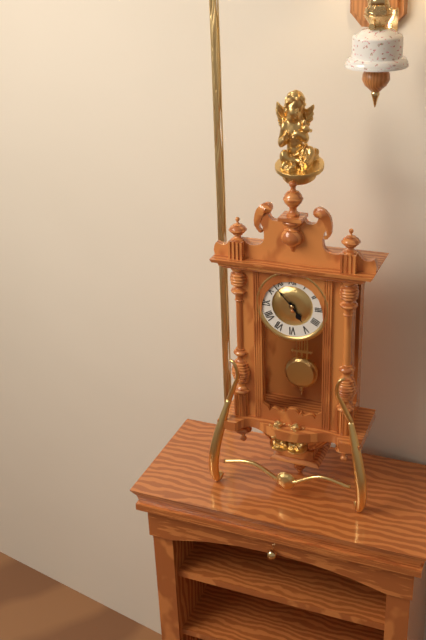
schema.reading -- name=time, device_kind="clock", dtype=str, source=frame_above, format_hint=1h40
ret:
4h53
